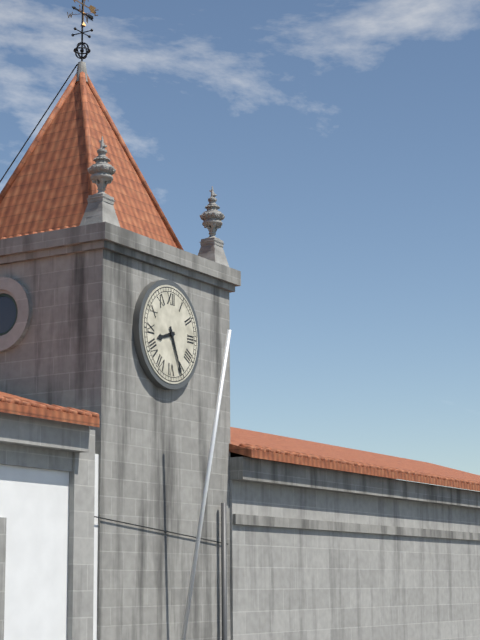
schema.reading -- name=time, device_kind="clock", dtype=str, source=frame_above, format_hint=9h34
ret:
8h26
